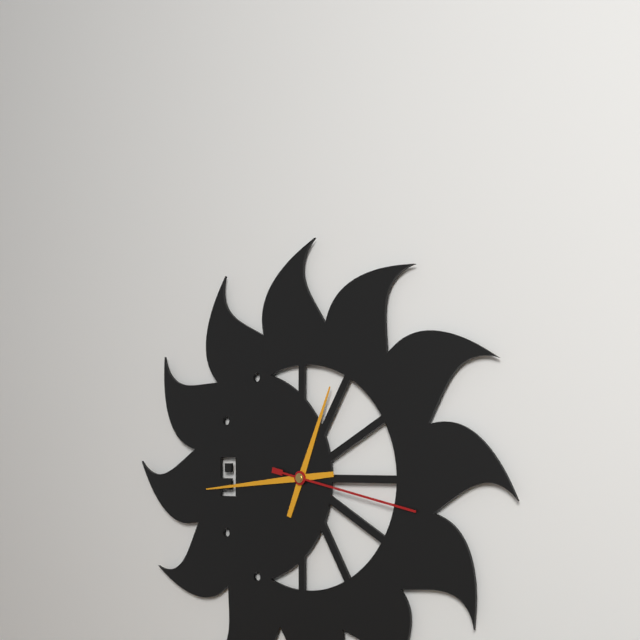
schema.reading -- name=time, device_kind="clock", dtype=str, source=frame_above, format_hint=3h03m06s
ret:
12h44m17s
